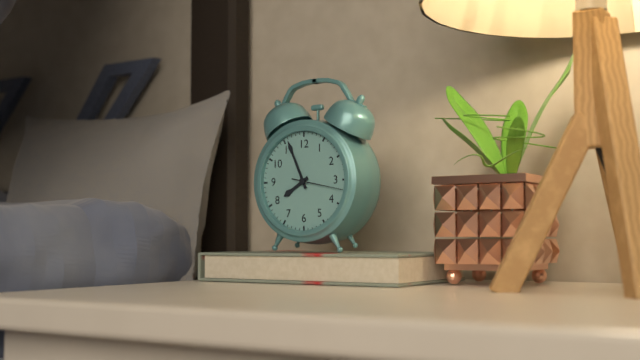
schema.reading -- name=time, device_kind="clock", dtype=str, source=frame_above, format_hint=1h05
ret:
7h56
